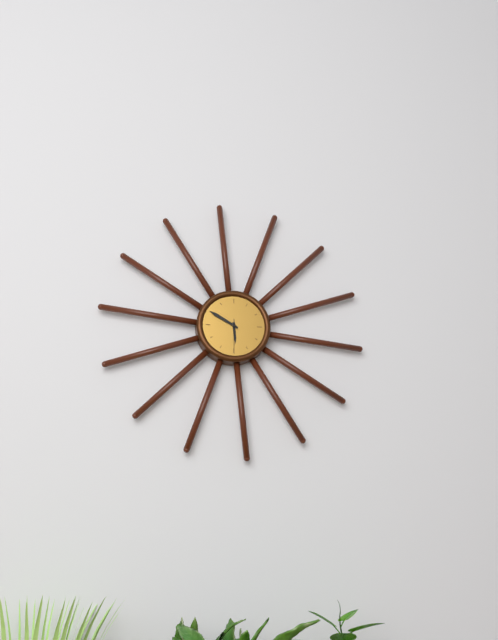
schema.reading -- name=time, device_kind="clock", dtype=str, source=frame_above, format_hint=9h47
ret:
5h50
